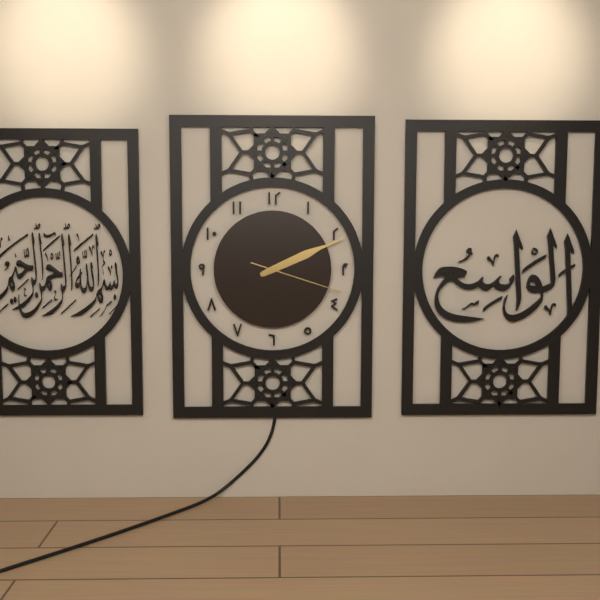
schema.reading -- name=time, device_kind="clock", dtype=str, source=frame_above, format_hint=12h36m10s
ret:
2h11m18s
